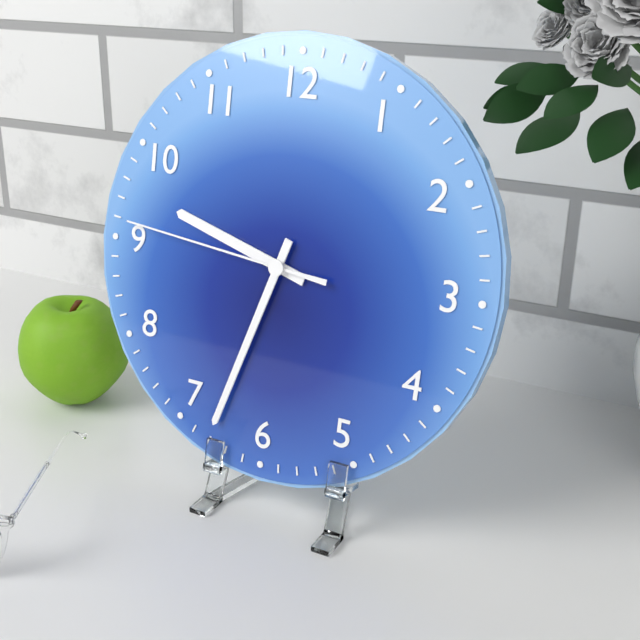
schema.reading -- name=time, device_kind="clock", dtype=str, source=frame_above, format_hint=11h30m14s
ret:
9h33m46s
